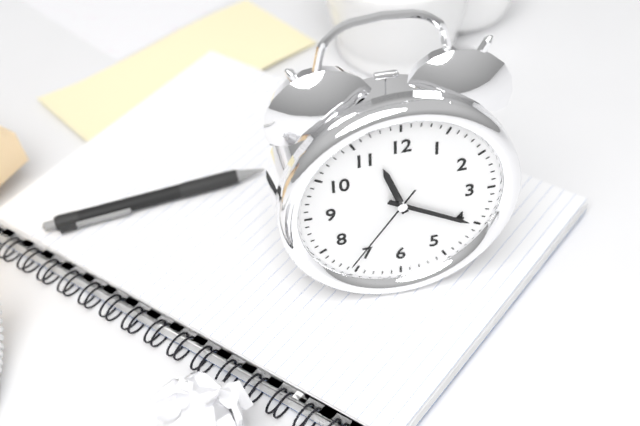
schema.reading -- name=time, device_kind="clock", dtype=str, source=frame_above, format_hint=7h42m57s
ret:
11h20m36s
